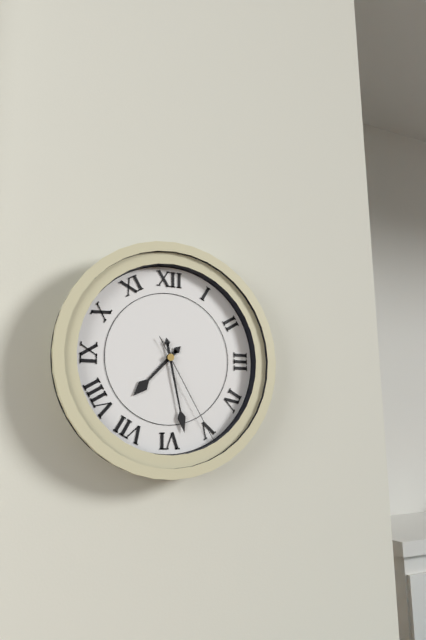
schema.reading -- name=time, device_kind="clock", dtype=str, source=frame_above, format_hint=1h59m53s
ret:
7h28m25s
